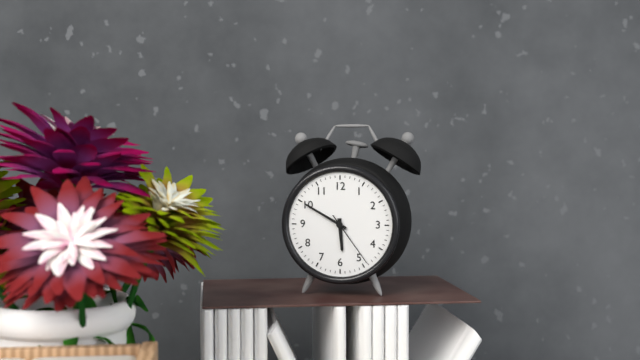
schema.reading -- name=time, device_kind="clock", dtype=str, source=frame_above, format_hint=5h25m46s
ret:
5h50m24s
